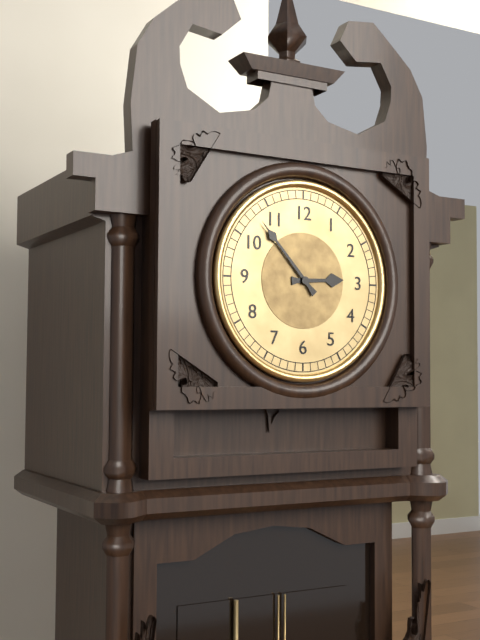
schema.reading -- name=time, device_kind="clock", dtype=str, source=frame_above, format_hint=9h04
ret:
2h53
